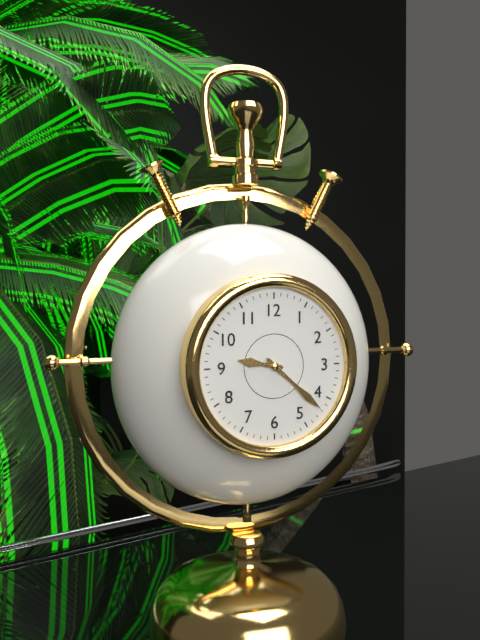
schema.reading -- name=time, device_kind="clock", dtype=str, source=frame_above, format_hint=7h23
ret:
9h22
